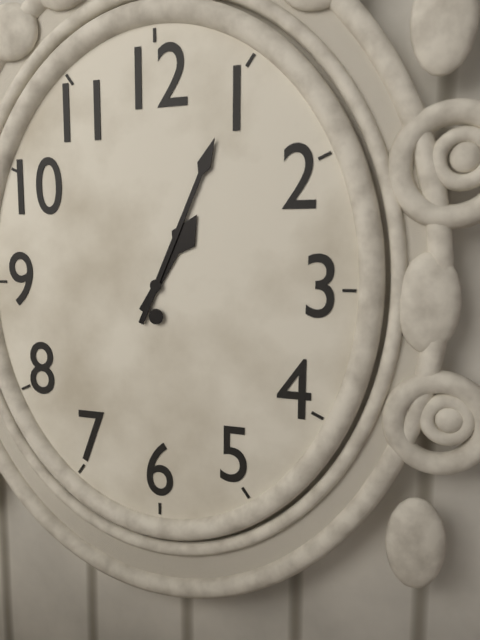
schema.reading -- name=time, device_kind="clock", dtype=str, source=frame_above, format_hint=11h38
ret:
1h04
